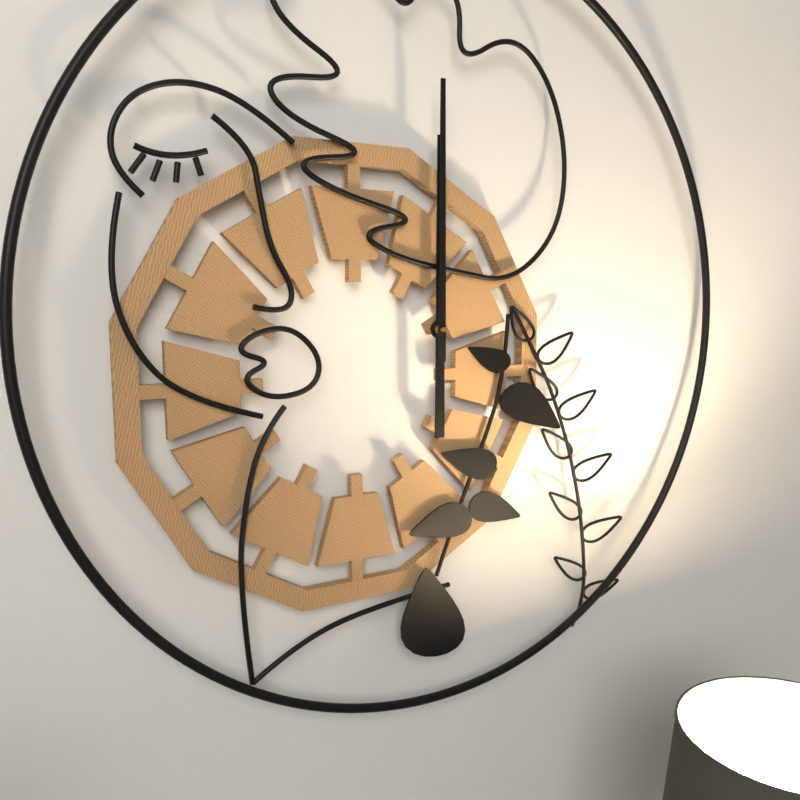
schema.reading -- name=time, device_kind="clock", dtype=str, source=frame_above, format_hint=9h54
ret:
12h00
